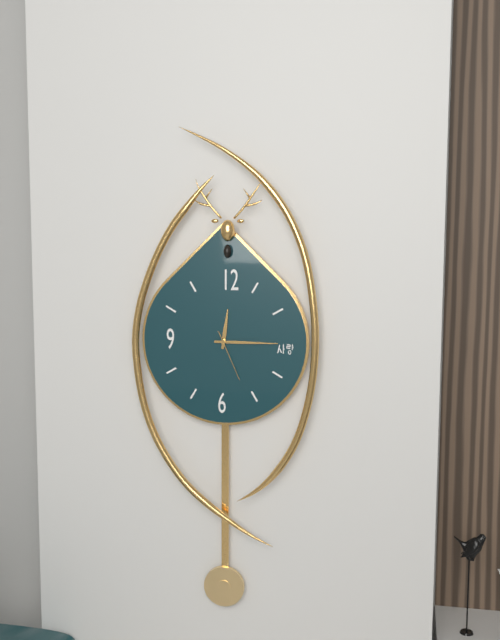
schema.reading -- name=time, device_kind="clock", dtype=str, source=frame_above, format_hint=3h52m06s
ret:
12h15m26s
